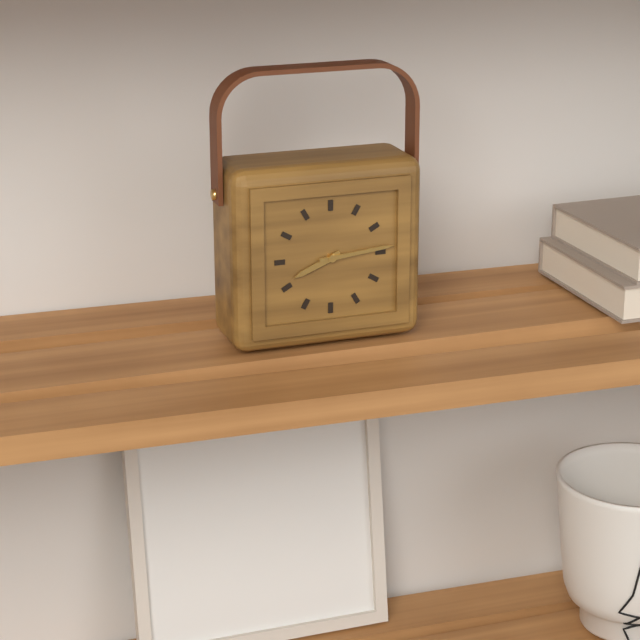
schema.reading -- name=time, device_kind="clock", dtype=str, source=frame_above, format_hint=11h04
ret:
8h14
